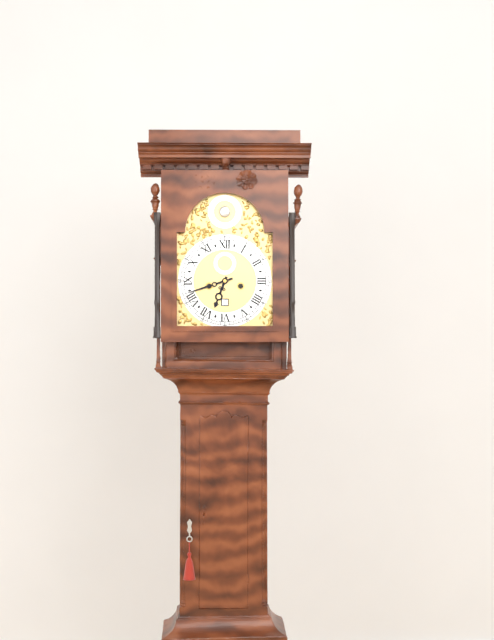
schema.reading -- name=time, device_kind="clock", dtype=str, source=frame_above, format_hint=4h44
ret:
6h42
